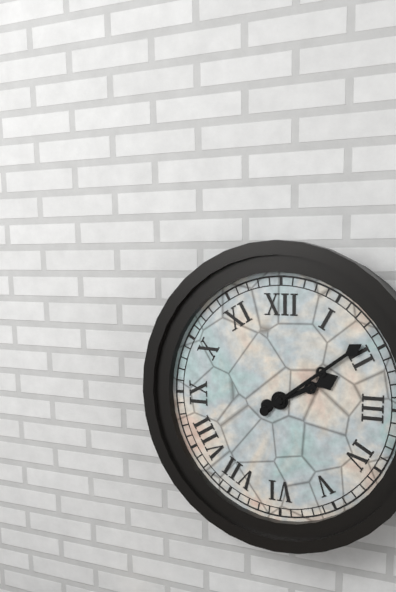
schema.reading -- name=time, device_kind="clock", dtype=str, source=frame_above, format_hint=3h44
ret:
2h09
